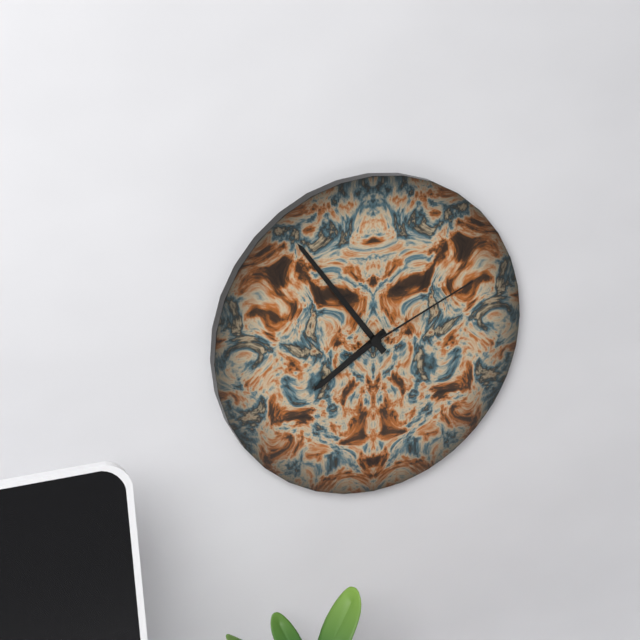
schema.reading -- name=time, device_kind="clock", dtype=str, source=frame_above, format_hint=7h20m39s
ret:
7h54m11s
